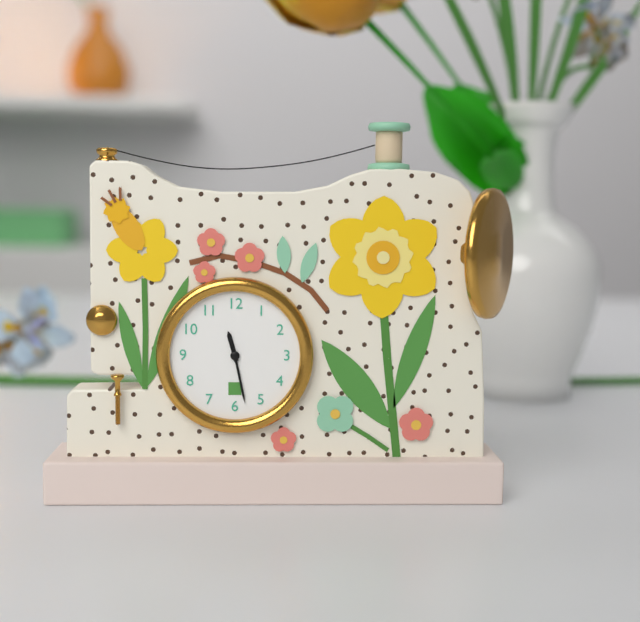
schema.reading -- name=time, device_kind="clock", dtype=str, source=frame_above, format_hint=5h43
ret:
11h28
